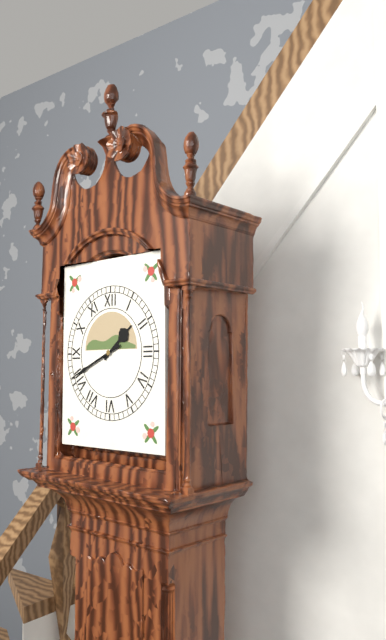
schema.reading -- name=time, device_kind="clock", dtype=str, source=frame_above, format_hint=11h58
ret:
1h41
